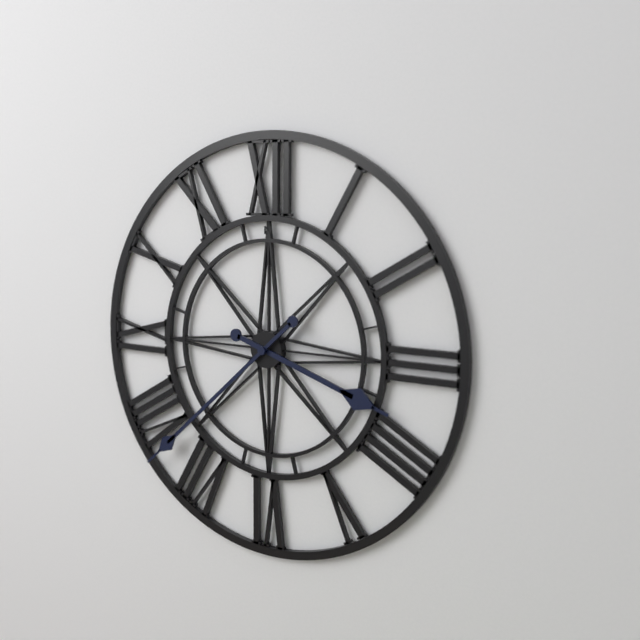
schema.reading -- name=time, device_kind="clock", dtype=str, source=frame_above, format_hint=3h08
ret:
3h38
